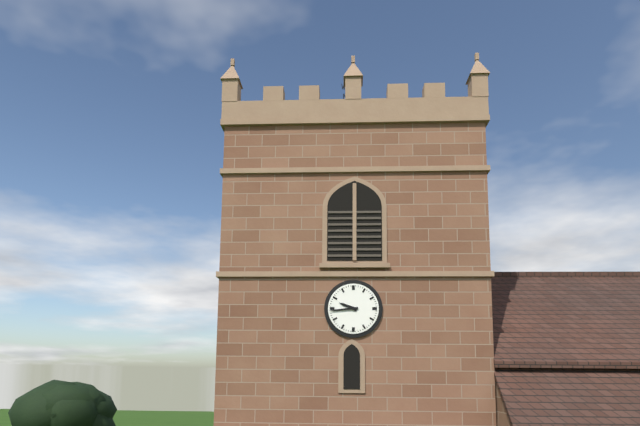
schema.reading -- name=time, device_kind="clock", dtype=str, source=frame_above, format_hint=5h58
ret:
9h44
